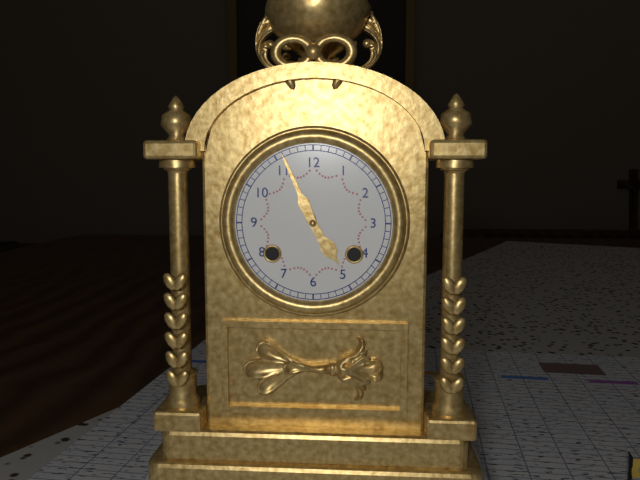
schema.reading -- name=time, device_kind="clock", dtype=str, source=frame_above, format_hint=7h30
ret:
4h56
